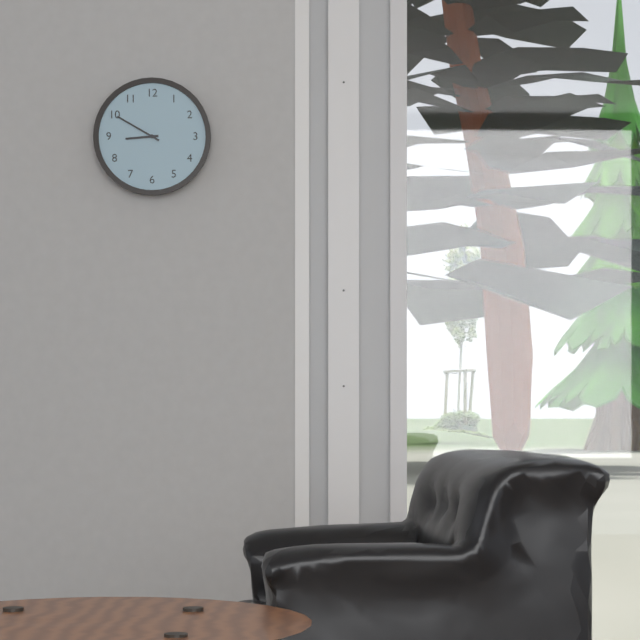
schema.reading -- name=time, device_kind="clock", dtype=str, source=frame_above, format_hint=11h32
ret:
8h50
